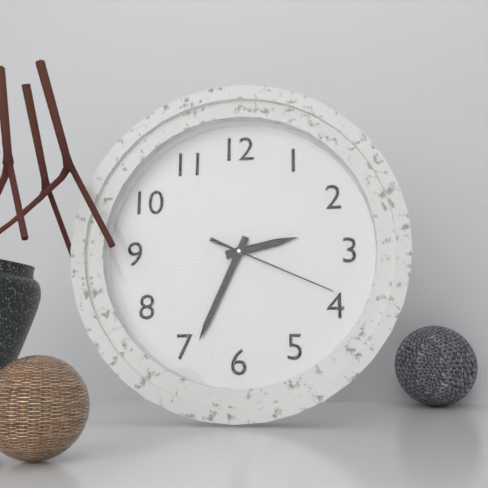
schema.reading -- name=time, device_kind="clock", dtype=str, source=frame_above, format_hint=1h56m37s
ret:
2h34m19s
